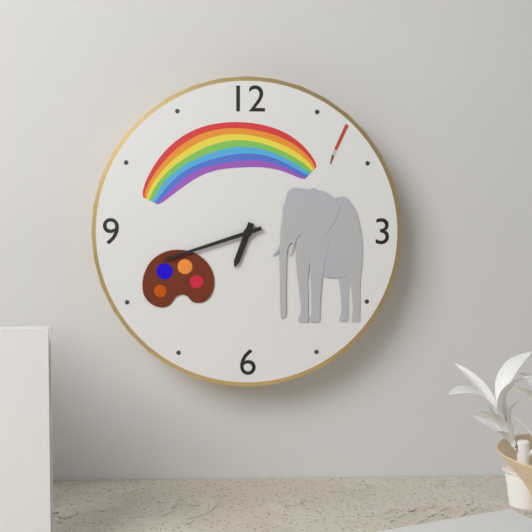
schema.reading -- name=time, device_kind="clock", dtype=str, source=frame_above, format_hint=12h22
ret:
6h42
